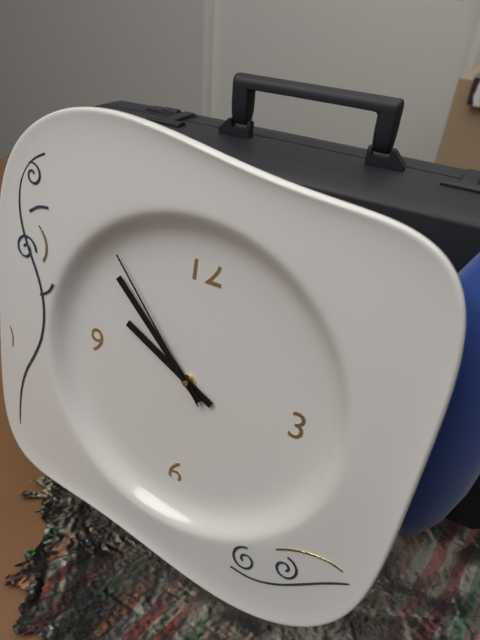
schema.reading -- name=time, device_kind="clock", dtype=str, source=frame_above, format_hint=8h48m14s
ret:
9h52m53s
